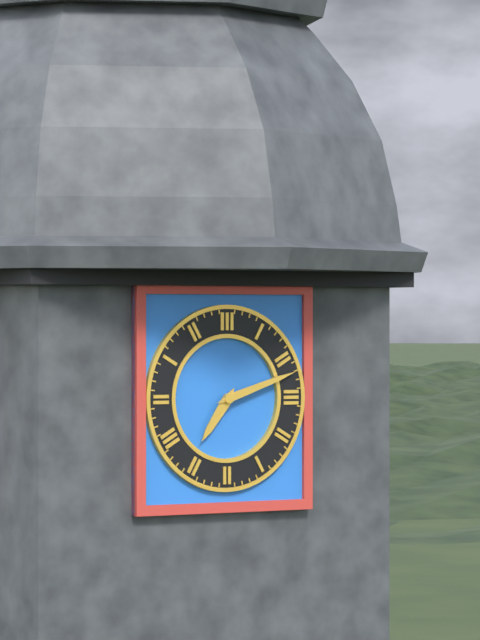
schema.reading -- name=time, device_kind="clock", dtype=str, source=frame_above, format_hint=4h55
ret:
7h12
